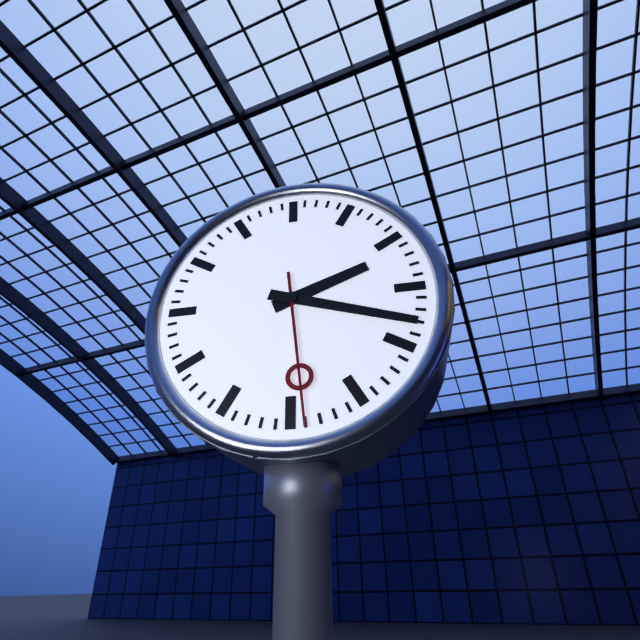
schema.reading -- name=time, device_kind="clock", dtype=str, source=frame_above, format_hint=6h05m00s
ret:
2h18m29s
